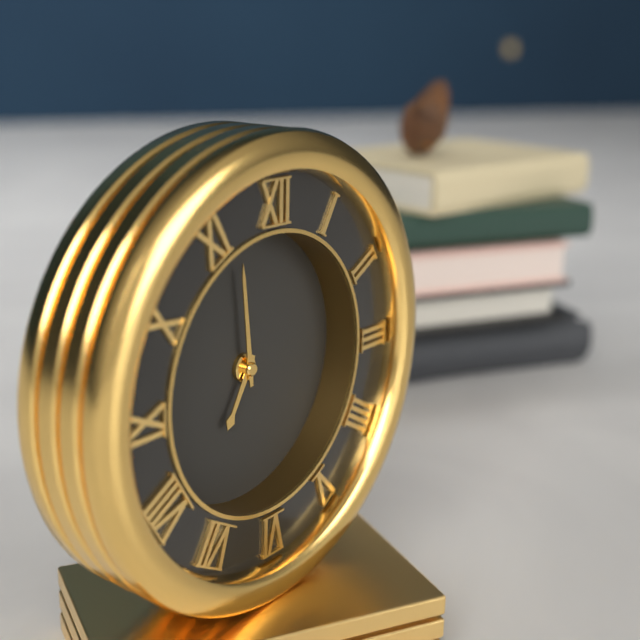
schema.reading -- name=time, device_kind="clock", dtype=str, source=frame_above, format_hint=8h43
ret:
6h59
